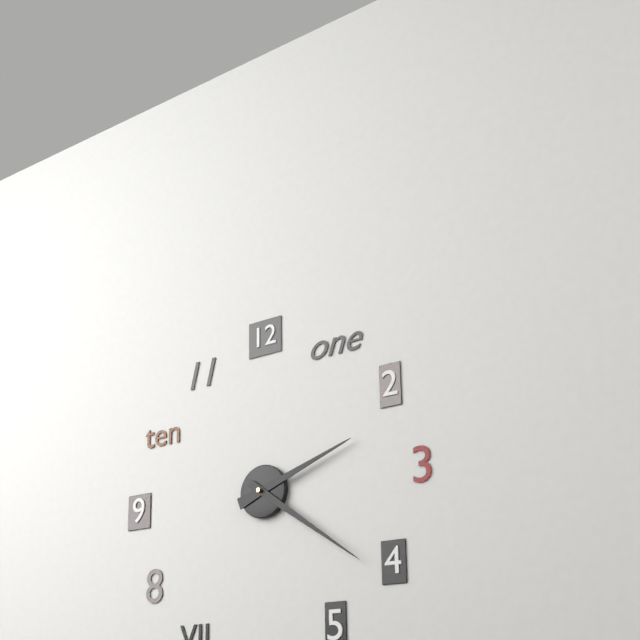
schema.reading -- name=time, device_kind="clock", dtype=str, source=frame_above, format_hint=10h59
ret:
2h21
